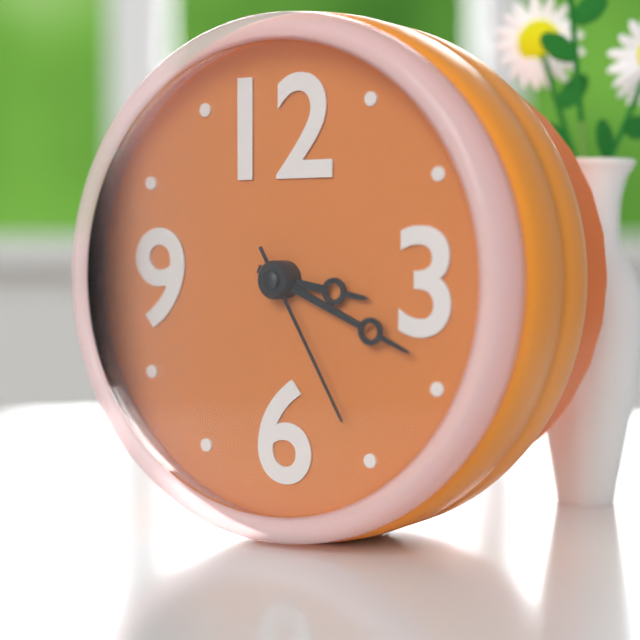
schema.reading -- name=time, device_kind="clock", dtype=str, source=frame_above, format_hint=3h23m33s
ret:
3h19m25s
